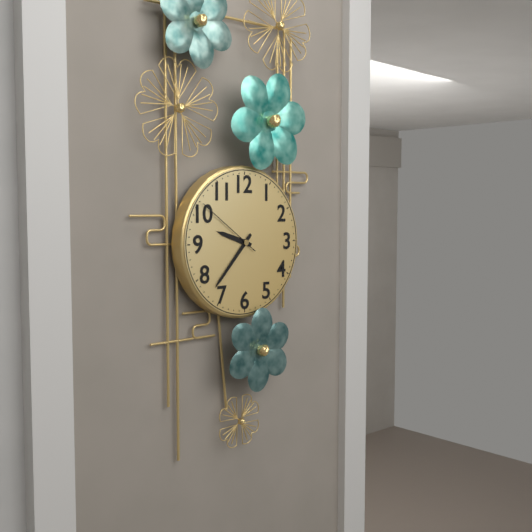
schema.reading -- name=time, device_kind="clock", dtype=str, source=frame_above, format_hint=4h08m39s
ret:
9h37m51s
